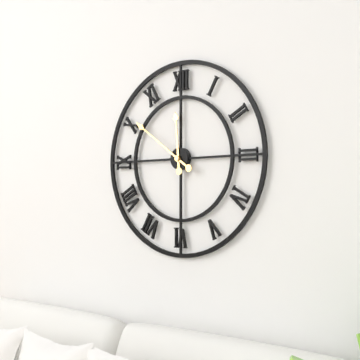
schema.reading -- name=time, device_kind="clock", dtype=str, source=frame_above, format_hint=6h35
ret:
11h51
